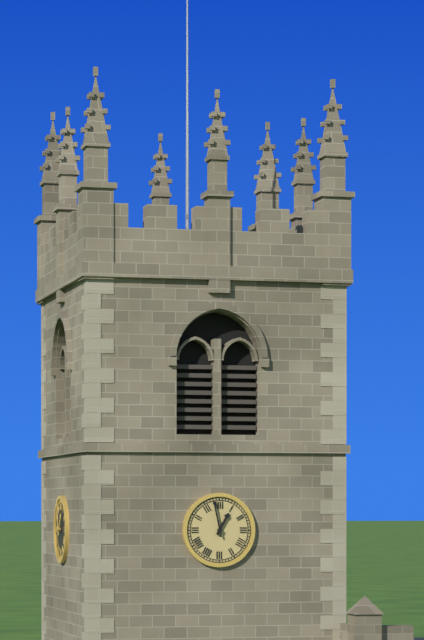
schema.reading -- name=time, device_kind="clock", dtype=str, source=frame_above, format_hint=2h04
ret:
12h58
